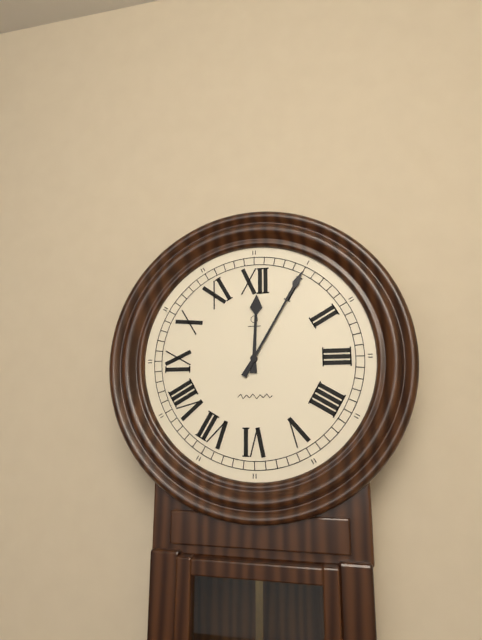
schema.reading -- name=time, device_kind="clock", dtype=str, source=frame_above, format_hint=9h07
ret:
12h05
